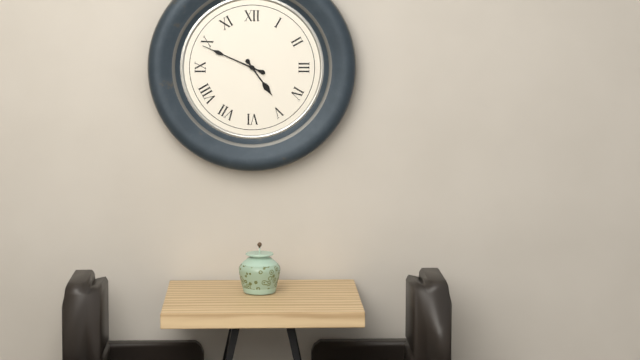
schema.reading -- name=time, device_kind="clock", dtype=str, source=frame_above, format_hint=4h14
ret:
4h49
